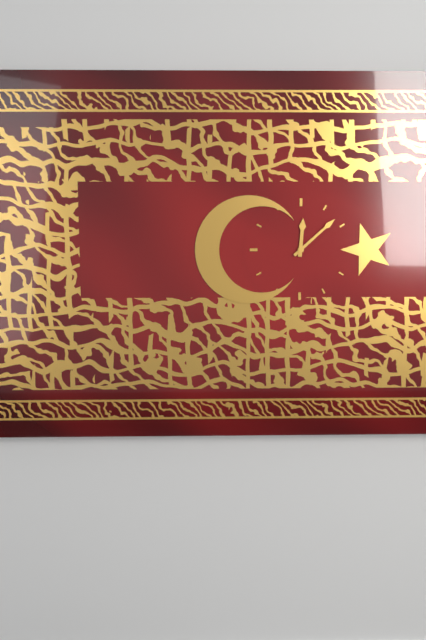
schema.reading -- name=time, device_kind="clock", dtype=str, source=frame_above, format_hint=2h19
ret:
12h08
